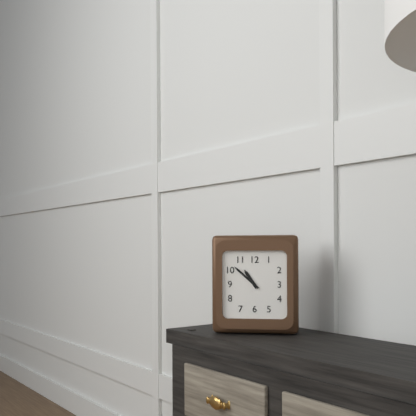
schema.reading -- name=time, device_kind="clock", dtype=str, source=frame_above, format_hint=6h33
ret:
10h52
